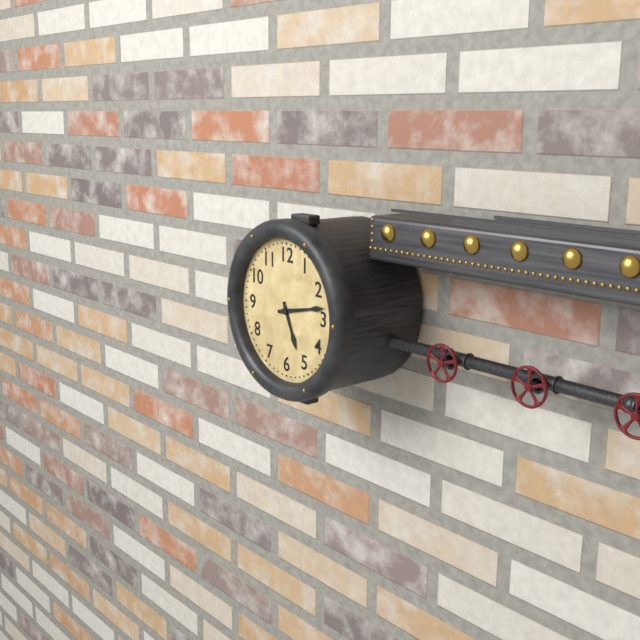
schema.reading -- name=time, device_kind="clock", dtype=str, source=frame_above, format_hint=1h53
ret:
5h13
